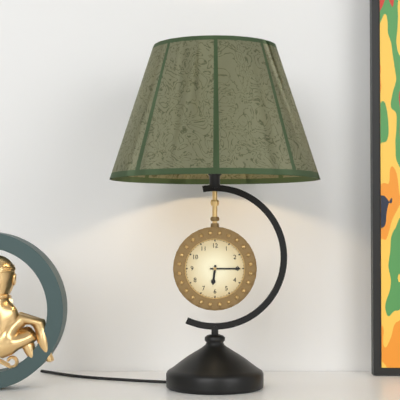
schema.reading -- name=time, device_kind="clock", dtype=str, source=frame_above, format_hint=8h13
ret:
6h15
